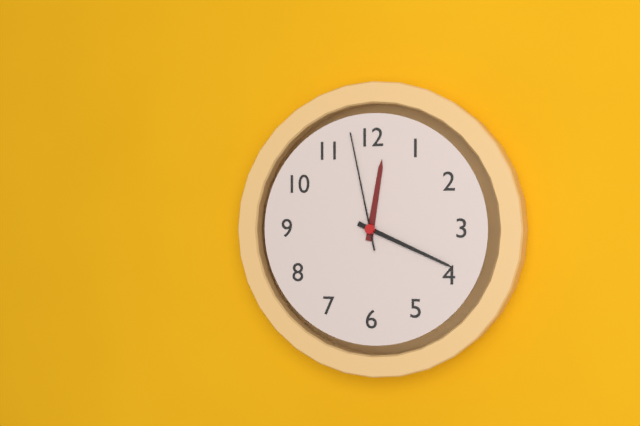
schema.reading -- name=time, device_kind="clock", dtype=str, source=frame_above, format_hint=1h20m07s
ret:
12h19m58s
